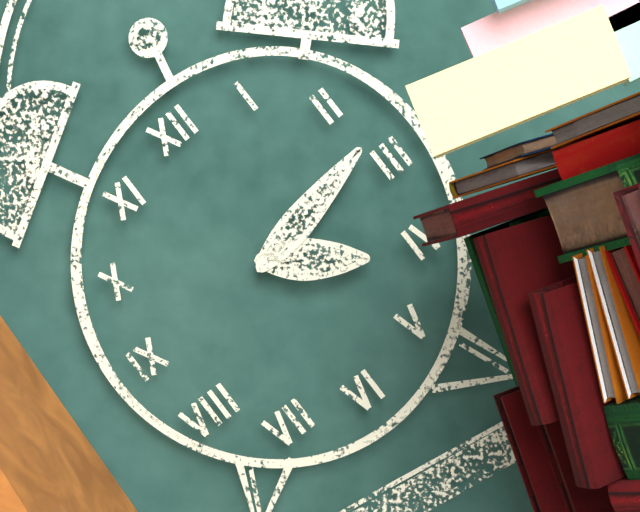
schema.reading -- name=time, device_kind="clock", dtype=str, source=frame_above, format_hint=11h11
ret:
4h13
